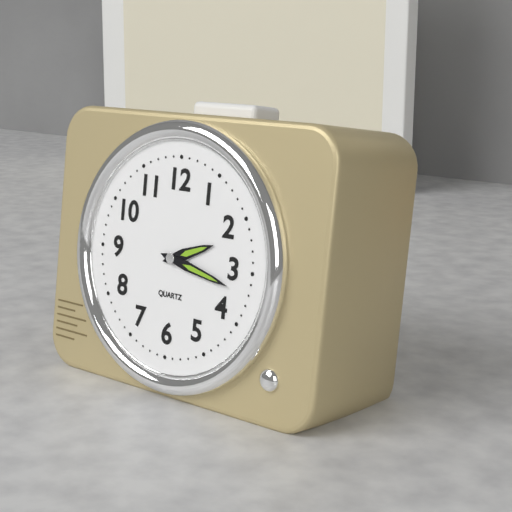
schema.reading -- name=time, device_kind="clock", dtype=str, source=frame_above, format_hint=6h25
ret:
2h17
